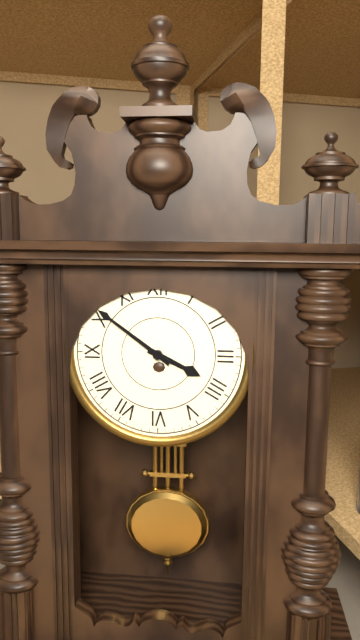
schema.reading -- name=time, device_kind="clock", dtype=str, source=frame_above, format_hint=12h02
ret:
3h51
